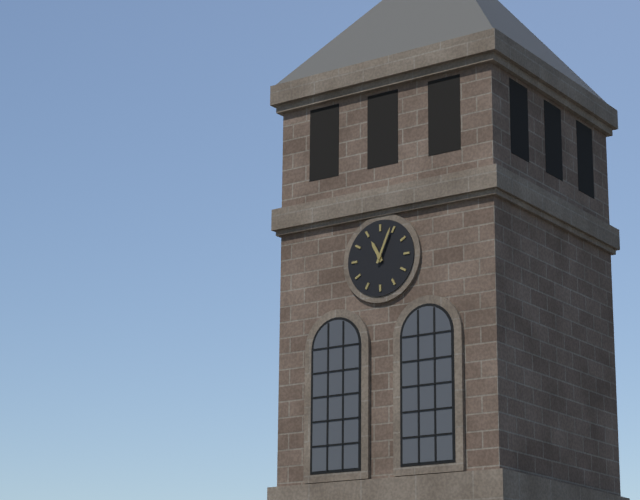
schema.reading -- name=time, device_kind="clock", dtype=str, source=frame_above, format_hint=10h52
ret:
11h04
